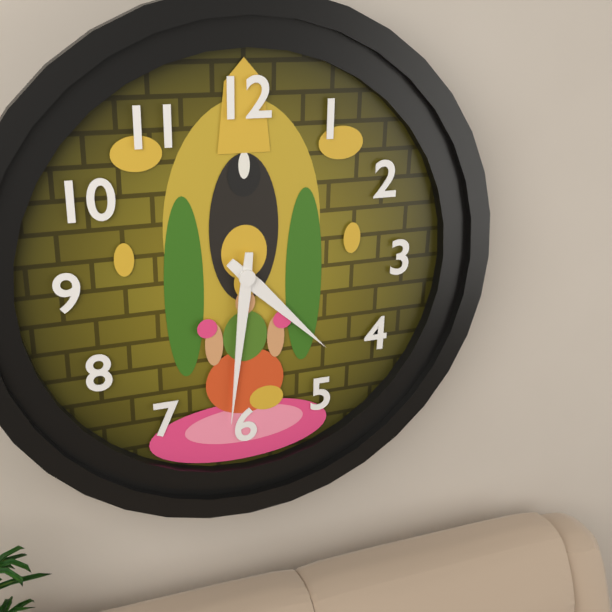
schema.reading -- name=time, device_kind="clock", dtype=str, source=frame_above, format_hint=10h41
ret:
4h31
